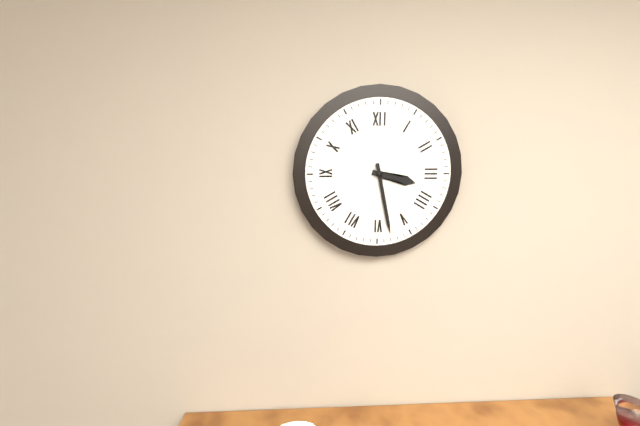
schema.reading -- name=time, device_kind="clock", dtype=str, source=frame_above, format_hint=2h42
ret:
3h28
